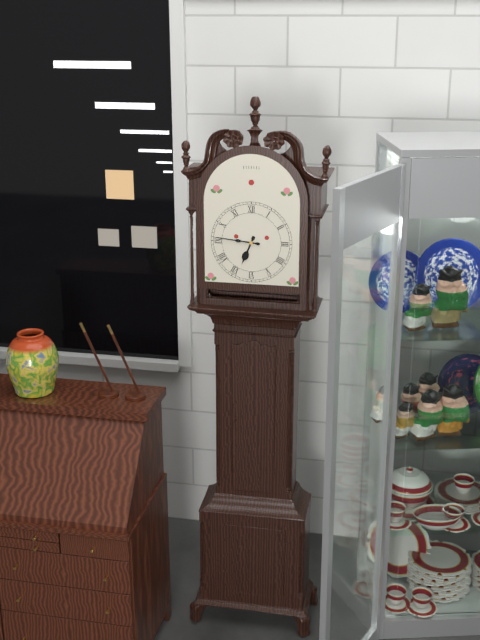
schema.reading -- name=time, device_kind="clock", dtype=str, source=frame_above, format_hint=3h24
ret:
6h46
